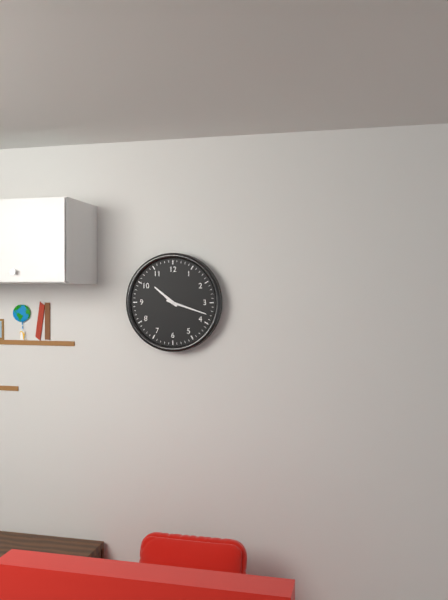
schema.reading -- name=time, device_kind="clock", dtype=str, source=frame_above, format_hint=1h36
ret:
10h18
